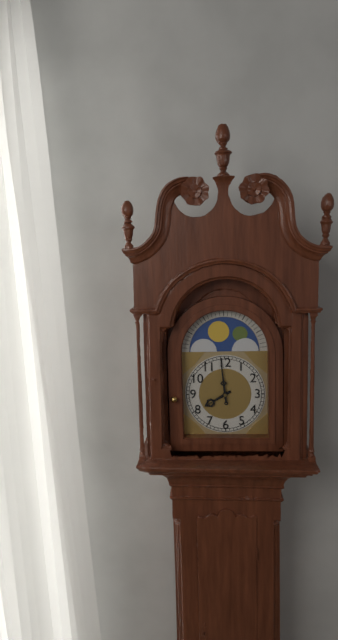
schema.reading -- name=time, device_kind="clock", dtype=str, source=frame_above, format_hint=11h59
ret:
7h59
